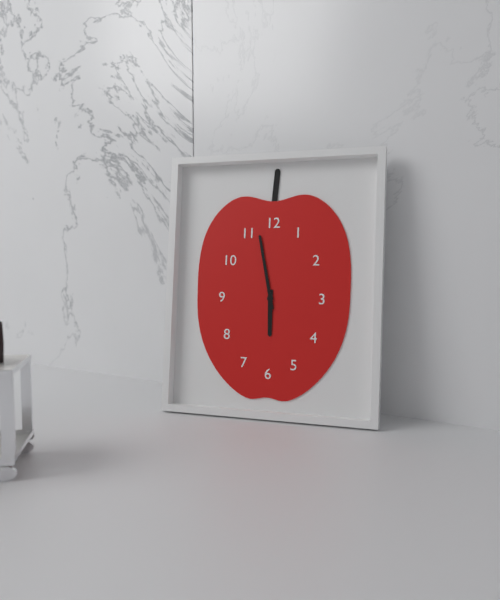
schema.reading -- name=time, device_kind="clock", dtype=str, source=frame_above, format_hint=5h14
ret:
5h58
